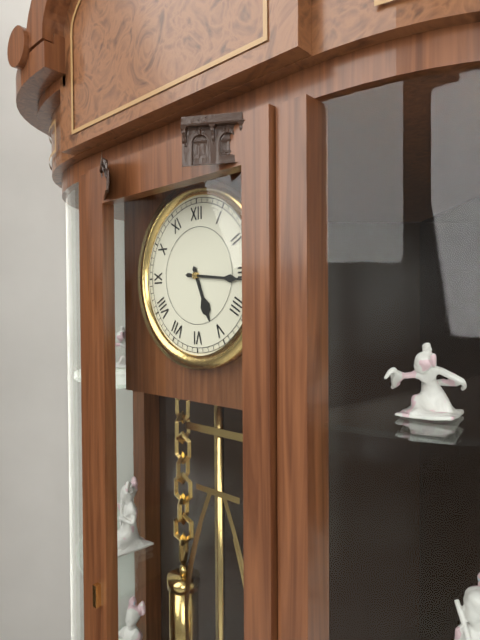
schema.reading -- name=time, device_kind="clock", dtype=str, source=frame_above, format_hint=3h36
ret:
5h16
